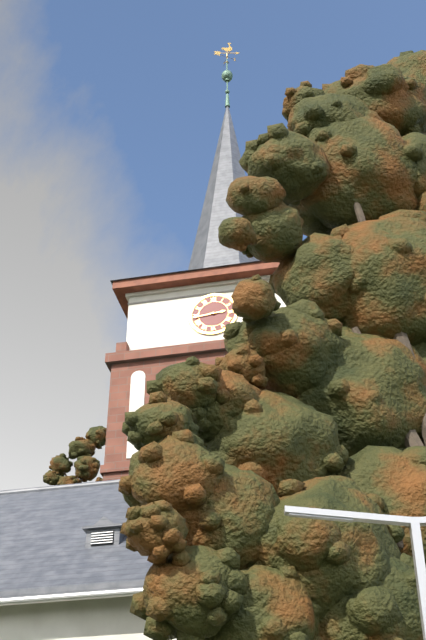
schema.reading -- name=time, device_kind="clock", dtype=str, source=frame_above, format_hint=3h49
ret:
2h44
